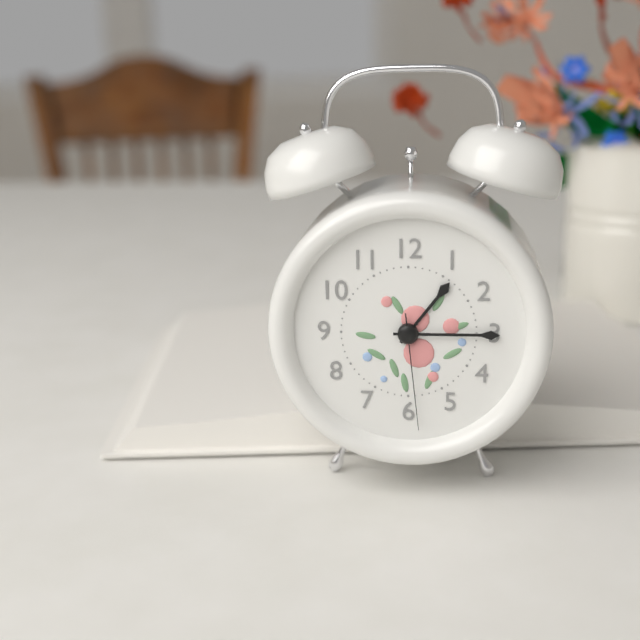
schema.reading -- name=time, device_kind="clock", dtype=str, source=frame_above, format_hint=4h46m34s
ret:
1h15m29s
